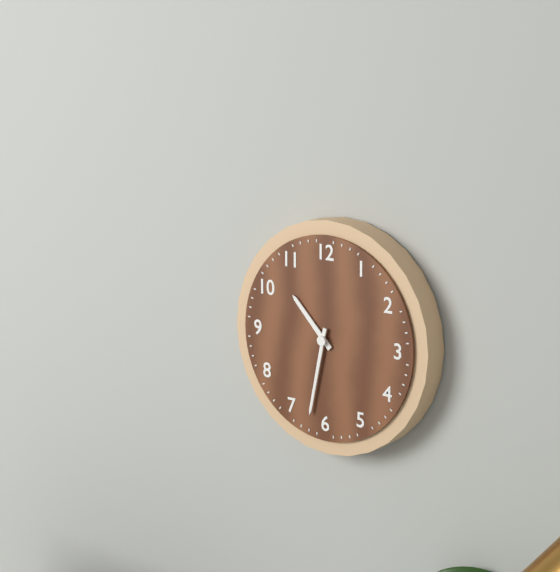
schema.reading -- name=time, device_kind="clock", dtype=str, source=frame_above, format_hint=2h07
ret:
10h32
